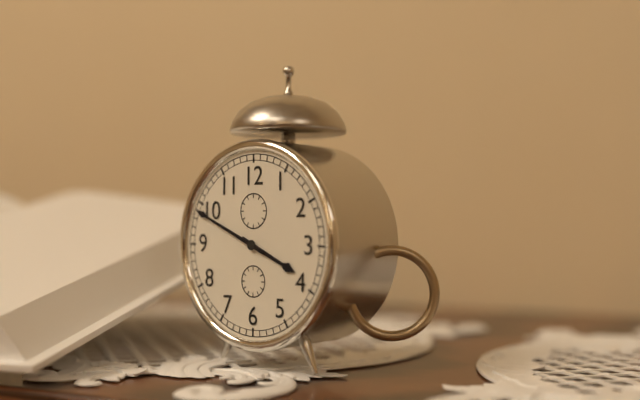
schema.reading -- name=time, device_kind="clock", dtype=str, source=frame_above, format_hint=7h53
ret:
3h49
